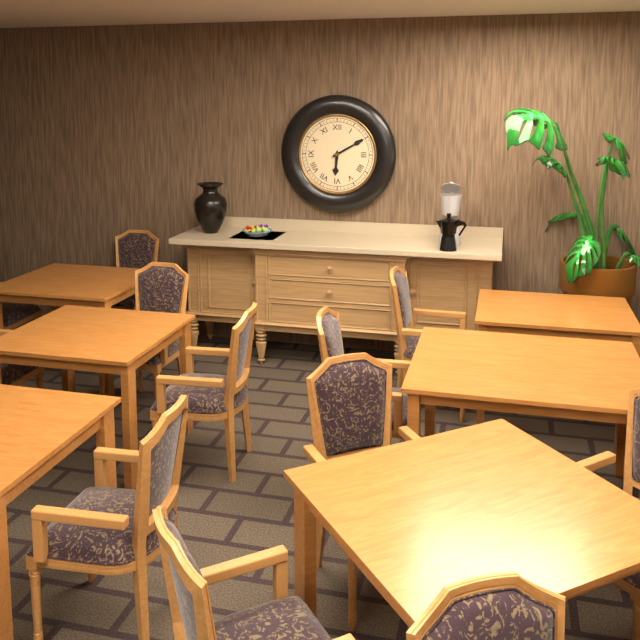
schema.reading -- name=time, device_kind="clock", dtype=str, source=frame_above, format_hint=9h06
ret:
6h10
